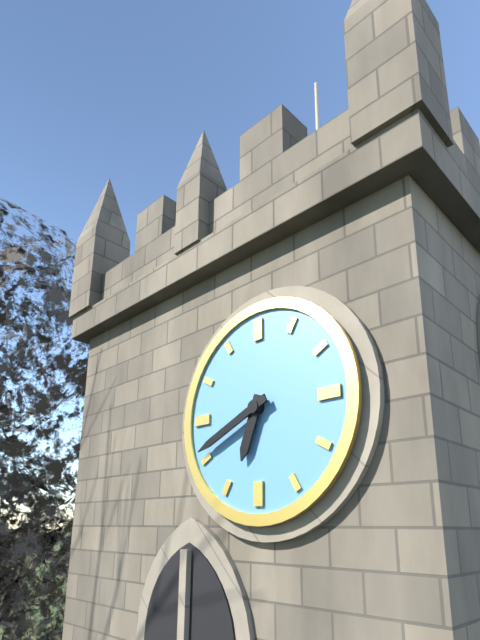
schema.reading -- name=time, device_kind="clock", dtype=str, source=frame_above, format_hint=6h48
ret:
6h41
